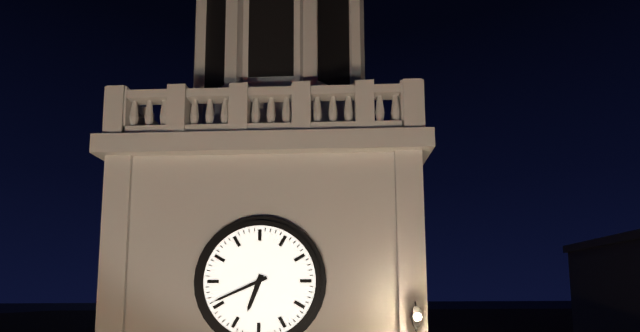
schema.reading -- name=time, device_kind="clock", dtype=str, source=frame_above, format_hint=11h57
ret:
6h41
